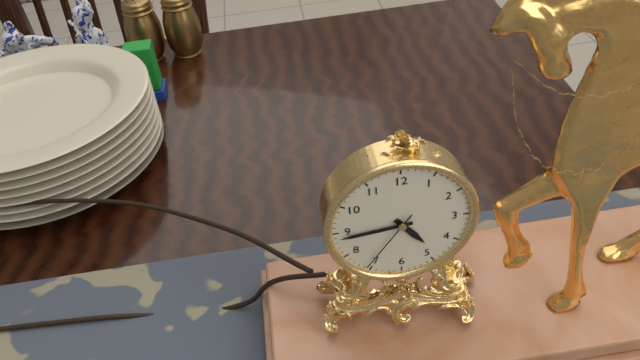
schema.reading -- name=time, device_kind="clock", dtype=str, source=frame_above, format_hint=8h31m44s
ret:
4h44m36s
